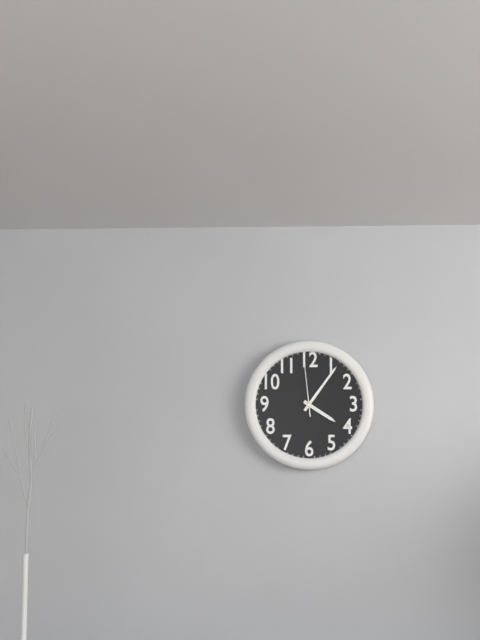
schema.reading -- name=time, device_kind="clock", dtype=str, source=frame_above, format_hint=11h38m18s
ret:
4h06m59s
